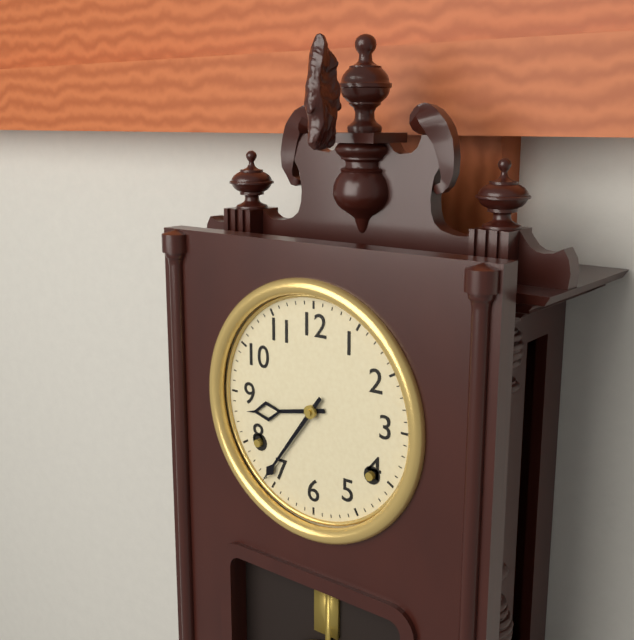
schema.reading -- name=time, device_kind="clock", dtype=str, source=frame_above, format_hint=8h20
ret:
8h36
